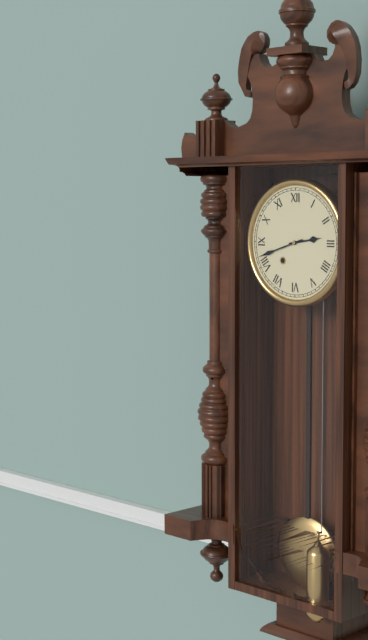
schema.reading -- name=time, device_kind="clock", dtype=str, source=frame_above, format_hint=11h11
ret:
2h42
